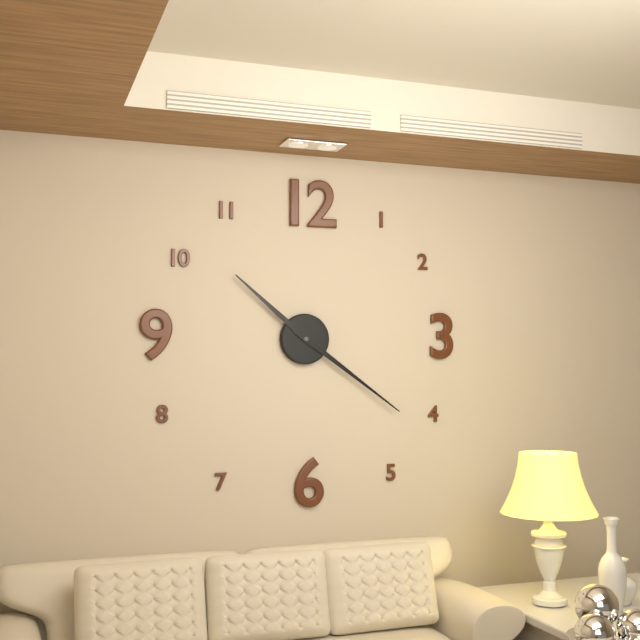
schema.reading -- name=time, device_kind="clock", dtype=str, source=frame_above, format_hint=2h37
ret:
10h21
